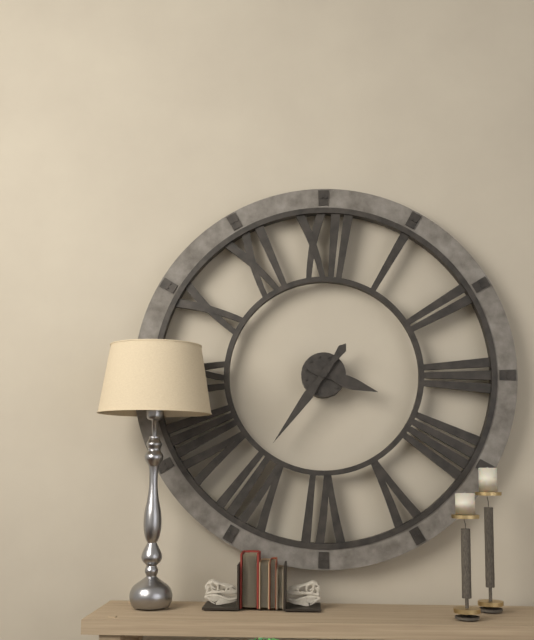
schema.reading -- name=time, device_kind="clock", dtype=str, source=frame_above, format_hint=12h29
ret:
3h36
